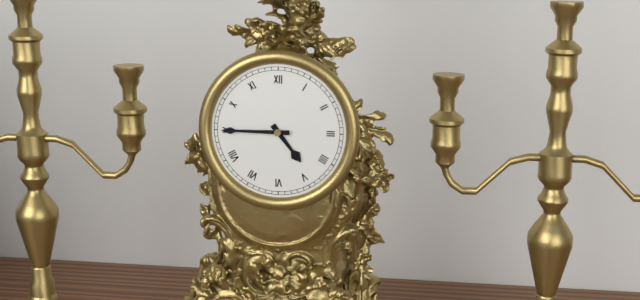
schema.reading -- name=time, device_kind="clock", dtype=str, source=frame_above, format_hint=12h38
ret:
4h45
